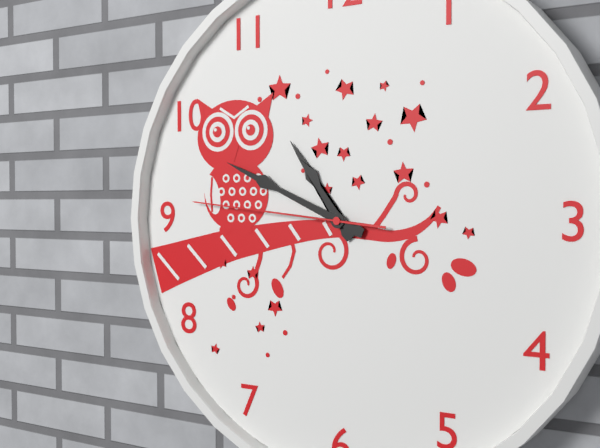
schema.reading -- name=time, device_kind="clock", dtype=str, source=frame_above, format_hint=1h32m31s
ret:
10h49m46s
